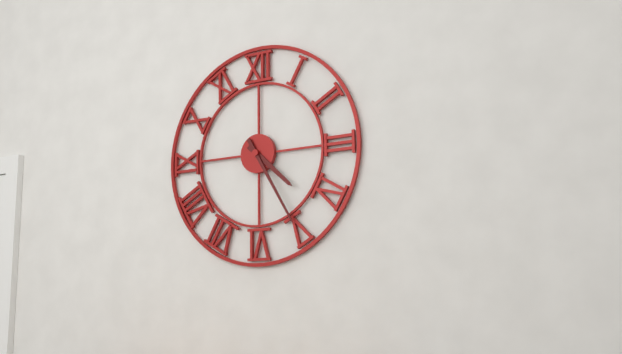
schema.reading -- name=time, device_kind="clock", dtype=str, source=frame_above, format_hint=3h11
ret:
4h25
